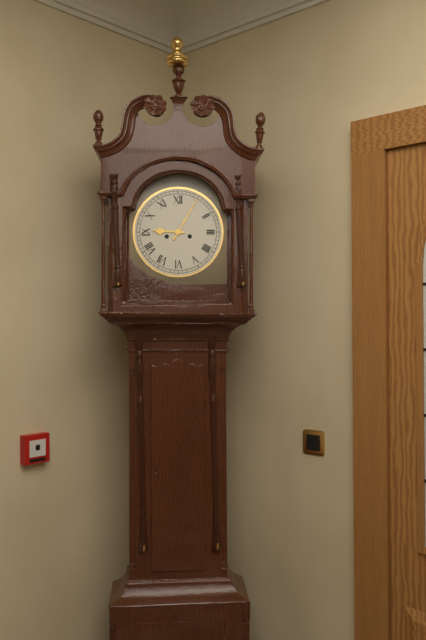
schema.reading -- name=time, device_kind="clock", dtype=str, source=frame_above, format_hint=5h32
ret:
9h05
